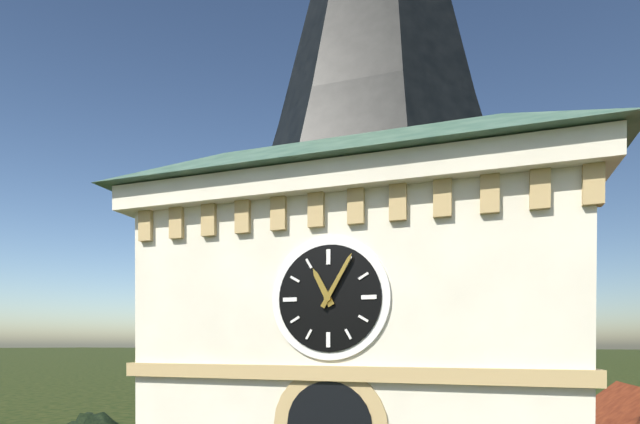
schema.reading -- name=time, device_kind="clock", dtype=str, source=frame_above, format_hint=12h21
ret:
11h05
